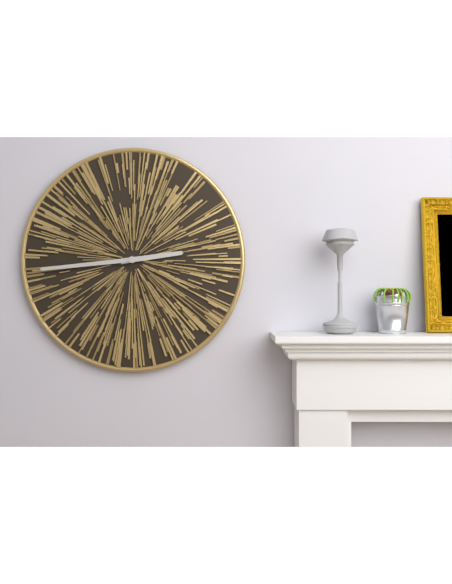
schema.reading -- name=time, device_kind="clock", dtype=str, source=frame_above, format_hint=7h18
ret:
2h44
